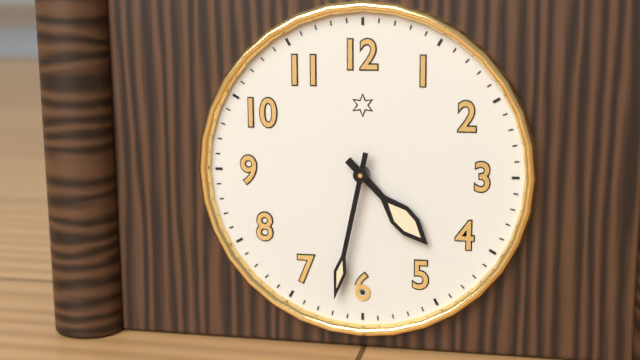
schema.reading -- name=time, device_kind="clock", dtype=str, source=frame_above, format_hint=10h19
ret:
4h32
